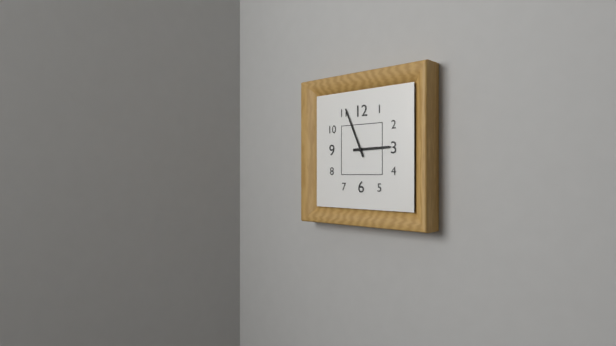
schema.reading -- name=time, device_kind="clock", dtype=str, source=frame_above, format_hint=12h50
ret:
2h56
